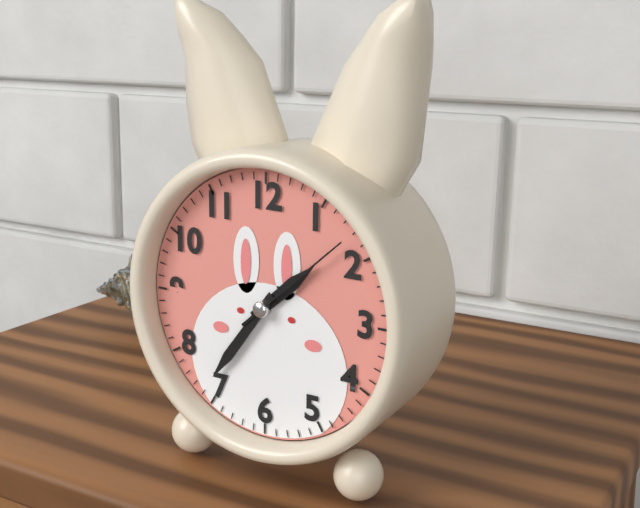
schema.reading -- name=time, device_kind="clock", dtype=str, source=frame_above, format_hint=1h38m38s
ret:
1h36m08s
